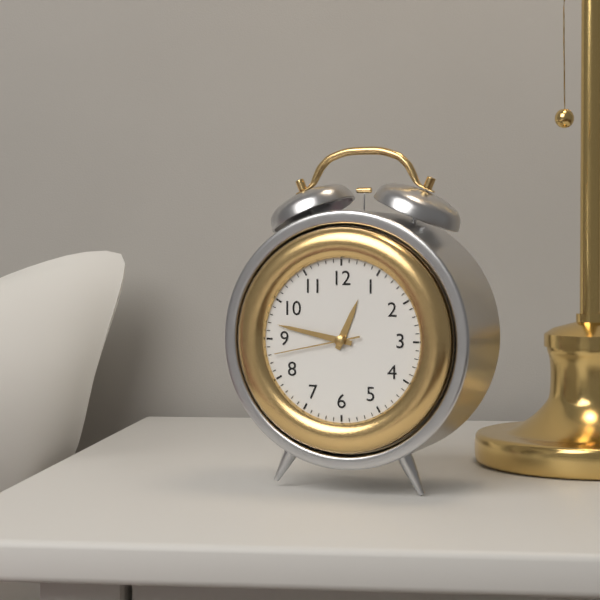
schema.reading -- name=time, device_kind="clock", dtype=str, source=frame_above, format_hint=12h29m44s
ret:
12h47m43s
